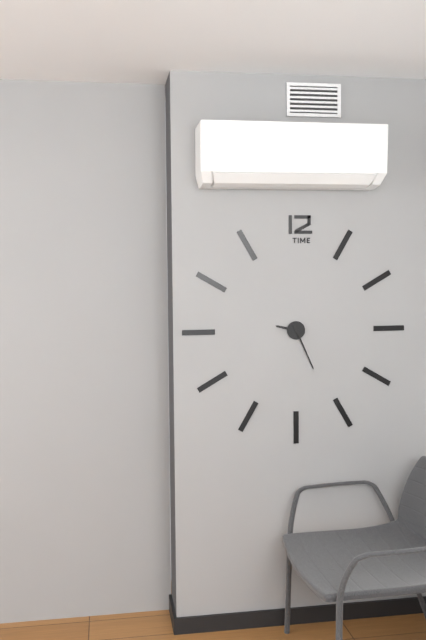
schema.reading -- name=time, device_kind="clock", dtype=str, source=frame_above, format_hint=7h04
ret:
9h26
